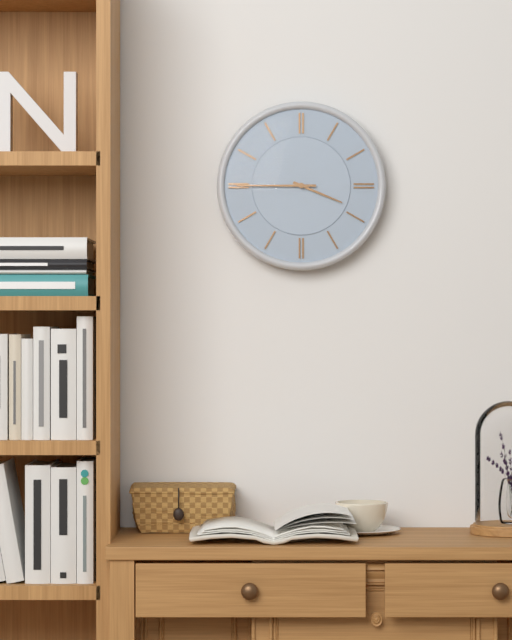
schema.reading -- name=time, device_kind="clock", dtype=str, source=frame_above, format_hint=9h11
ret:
3h45
